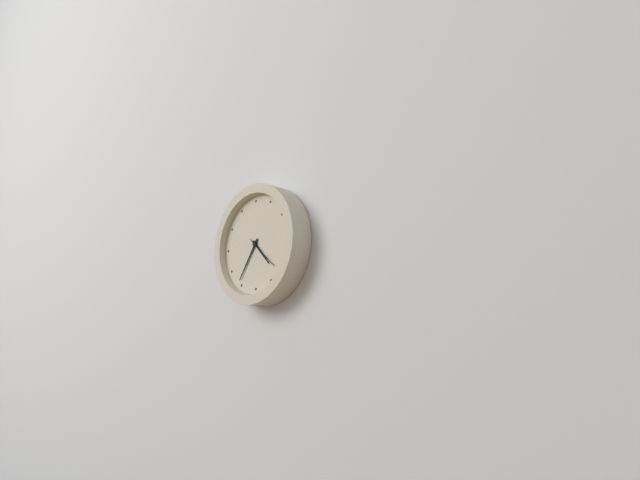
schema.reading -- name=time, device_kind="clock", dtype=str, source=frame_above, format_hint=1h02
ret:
4h36
